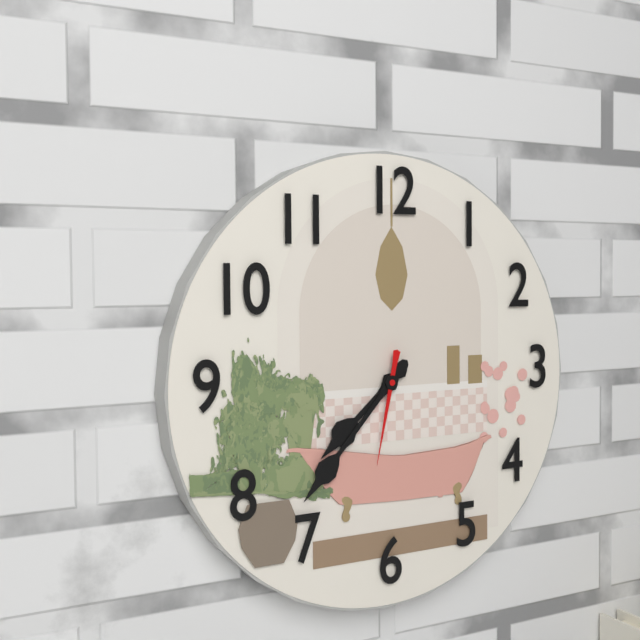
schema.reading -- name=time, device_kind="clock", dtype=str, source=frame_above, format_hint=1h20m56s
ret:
7h37m32s
